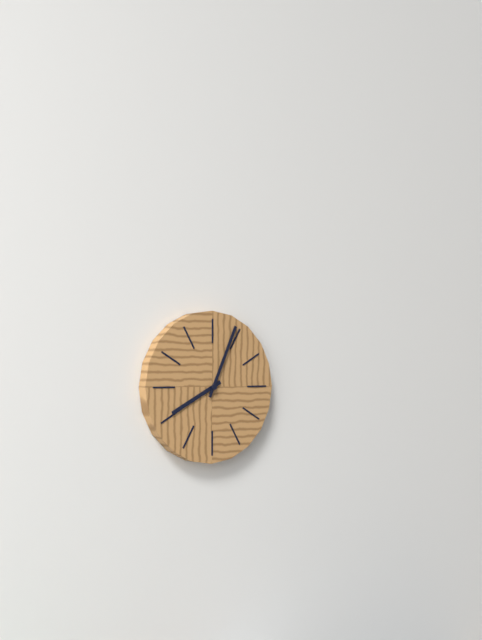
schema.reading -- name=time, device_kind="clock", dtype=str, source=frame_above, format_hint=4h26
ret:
8h04
